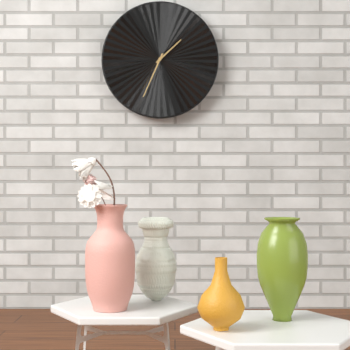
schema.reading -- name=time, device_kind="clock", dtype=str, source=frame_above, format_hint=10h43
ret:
1h34
